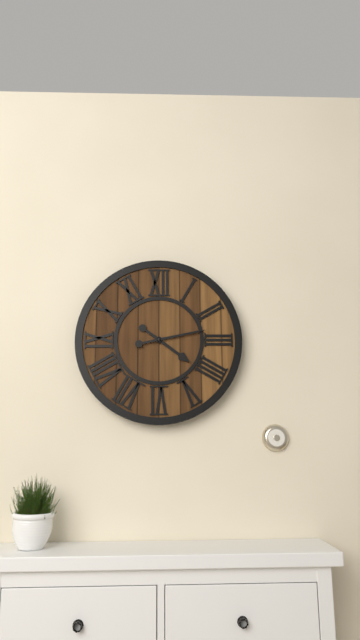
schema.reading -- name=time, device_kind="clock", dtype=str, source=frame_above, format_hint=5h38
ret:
4h13
